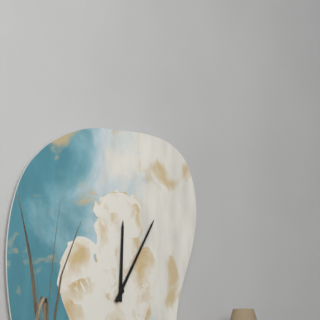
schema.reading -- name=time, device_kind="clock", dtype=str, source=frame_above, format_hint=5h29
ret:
12h05
